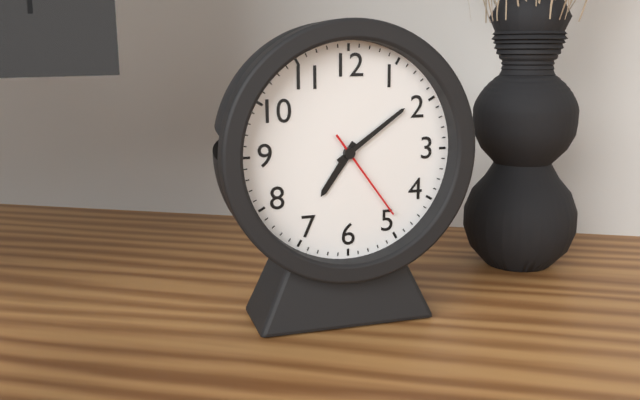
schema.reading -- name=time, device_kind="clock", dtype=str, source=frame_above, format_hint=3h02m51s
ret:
7h09m24s
